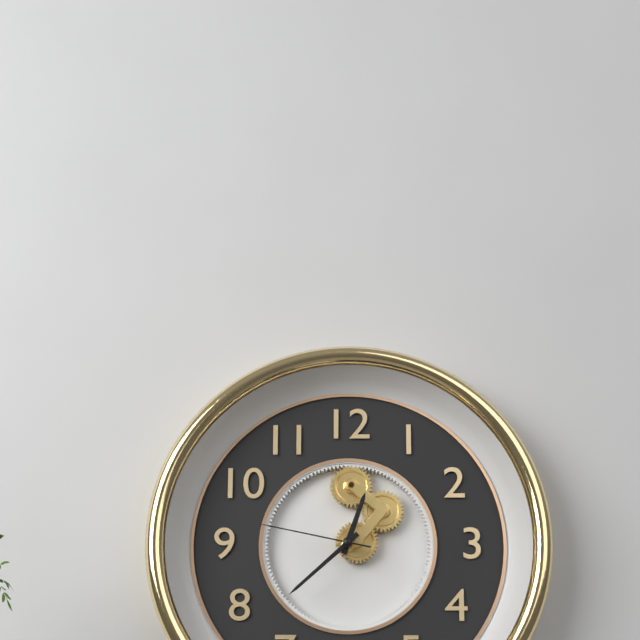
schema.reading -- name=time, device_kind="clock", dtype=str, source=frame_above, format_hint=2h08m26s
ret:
12h38m47s
